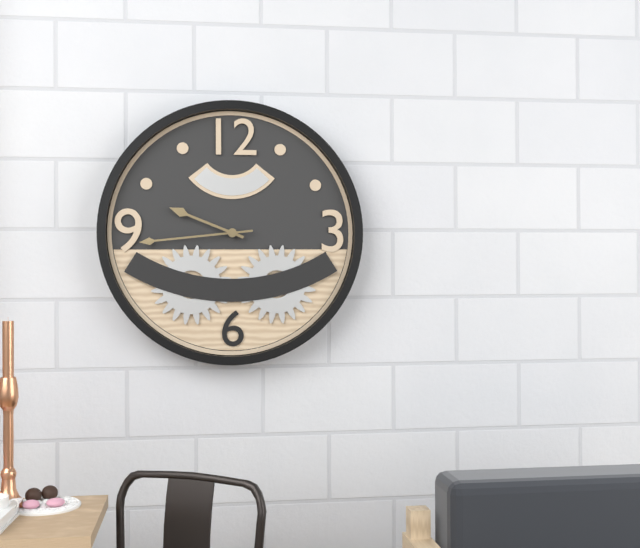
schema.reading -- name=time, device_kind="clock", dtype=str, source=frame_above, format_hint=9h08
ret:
9h44
